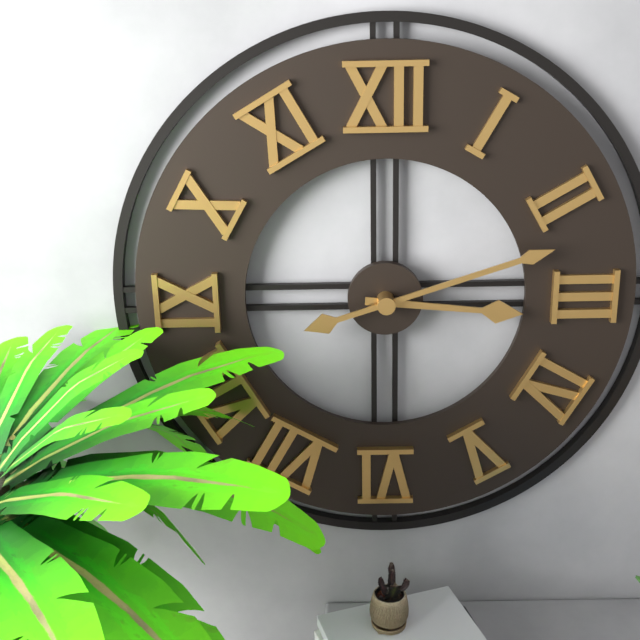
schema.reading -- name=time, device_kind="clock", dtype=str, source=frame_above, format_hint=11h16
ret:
3h12
